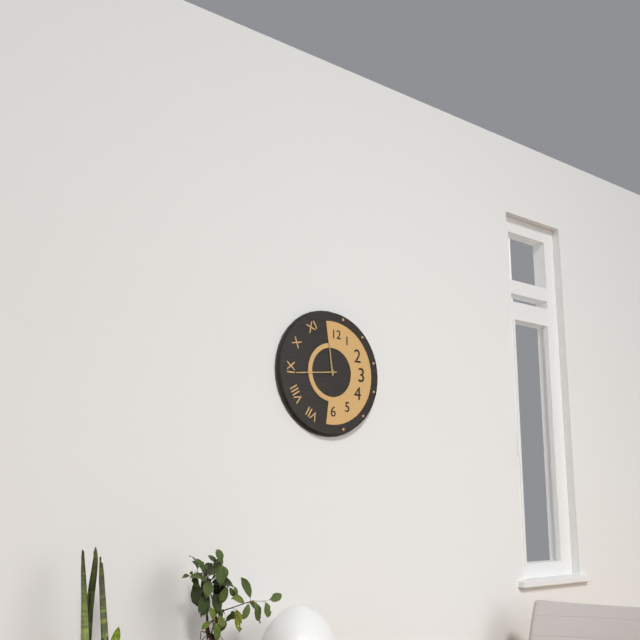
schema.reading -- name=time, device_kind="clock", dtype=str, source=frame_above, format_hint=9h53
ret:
11h44
